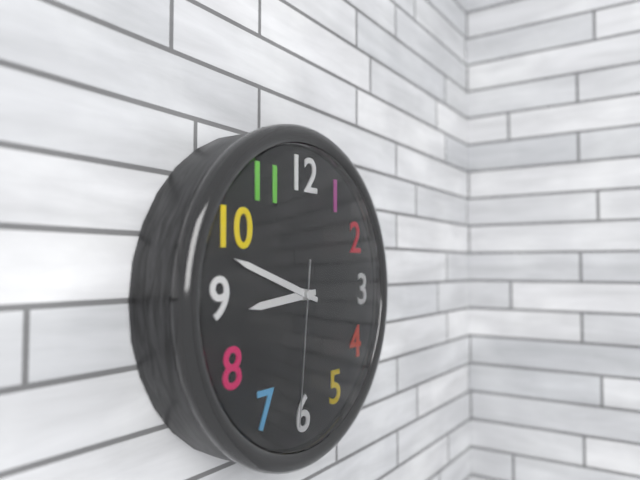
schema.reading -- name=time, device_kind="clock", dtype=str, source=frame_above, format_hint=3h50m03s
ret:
8h48m31s
